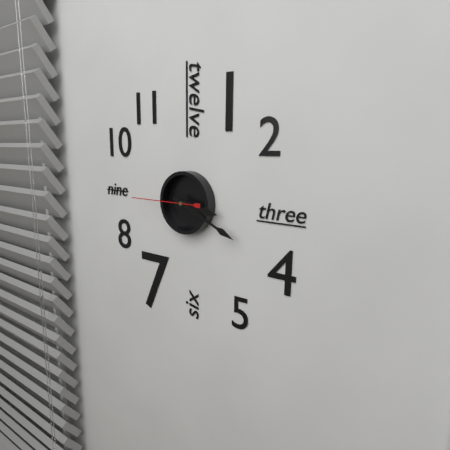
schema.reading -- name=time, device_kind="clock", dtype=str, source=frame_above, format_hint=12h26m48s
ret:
3h19m45s
